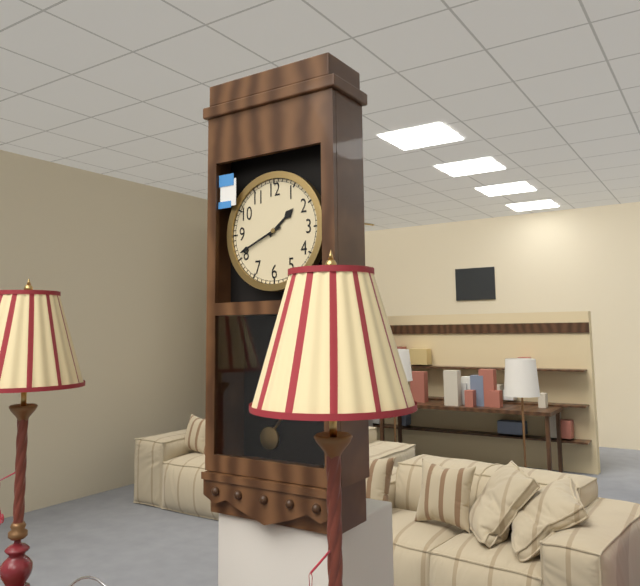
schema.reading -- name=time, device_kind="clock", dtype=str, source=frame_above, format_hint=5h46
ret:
1h41
